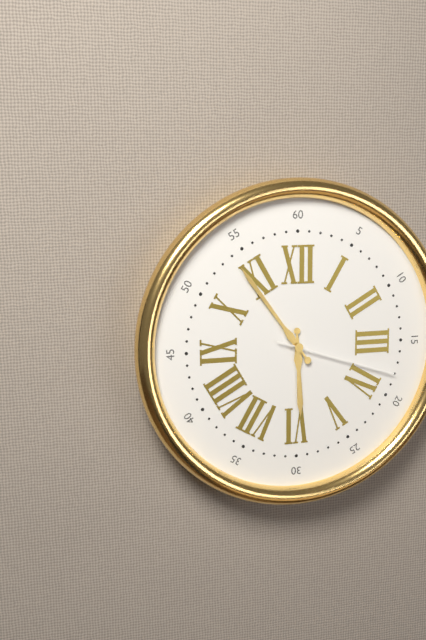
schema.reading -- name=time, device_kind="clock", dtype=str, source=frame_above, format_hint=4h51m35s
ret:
5h54m18s
